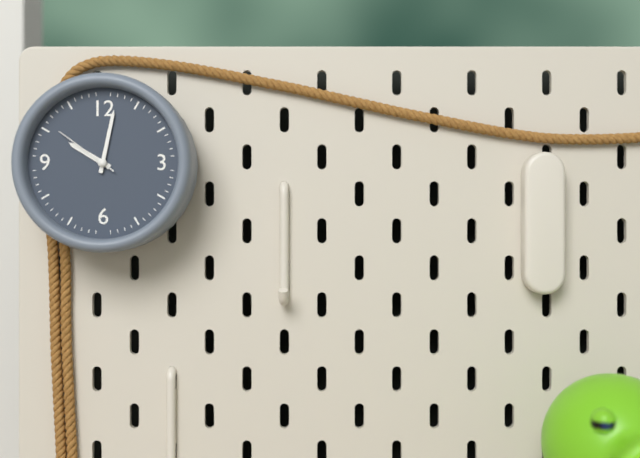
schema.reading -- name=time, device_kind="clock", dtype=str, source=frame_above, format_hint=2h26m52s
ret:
10h02m51s
